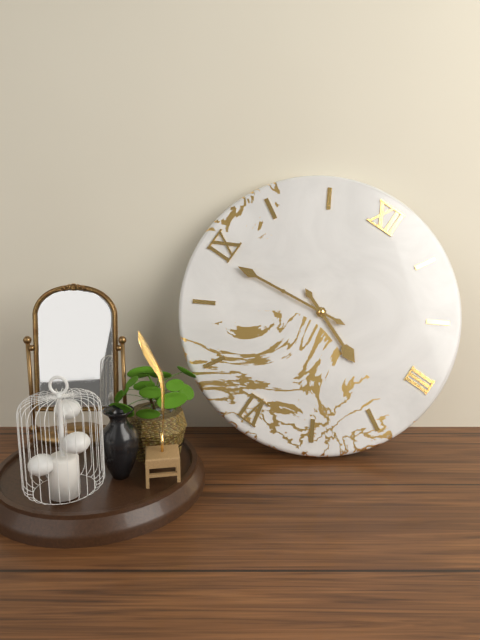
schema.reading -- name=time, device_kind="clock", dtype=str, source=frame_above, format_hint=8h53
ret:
3h44
